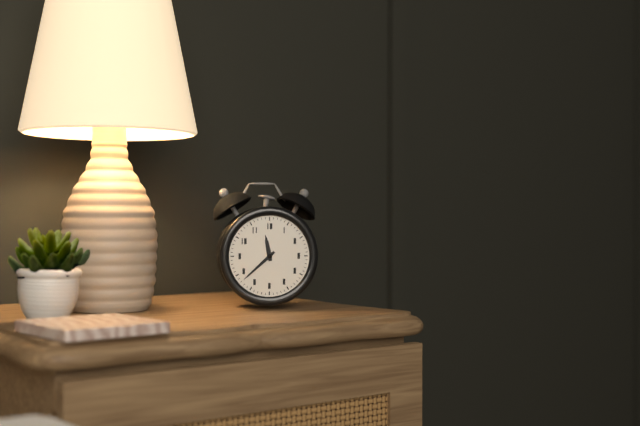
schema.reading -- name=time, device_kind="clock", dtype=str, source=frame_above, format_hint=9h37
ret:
11h38
